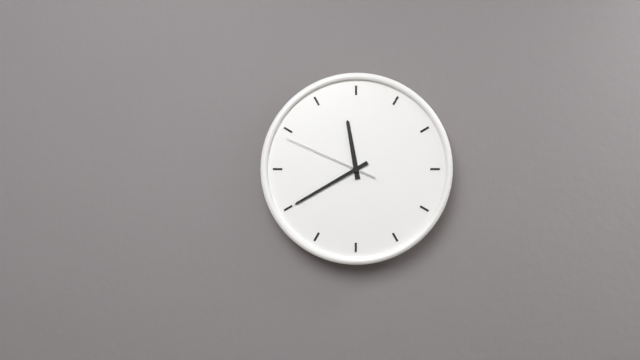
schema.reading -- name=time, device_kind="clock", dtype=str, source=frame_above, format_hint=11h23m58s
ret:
11h40m49s
